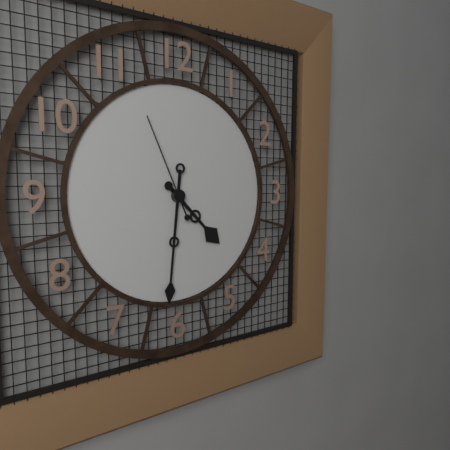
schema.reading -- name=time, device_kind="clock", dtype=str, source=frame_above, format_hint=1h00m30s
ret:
4h31m56s
